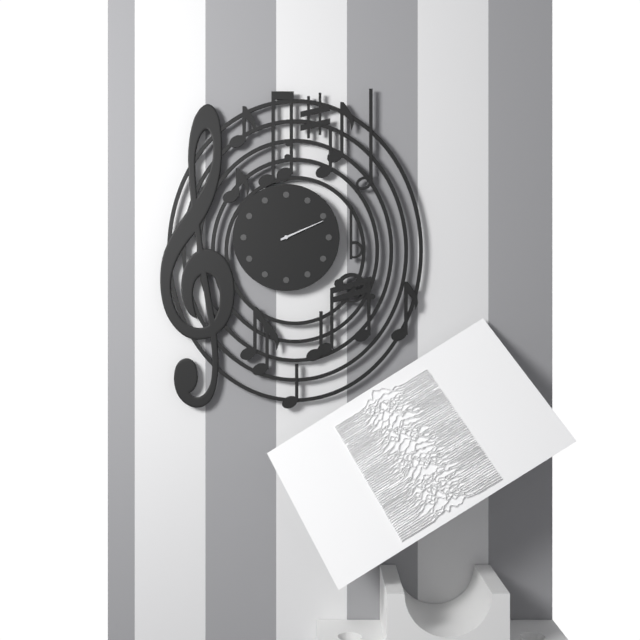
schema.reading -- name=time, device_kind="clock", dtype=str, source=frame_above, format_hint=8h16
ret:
2h11
